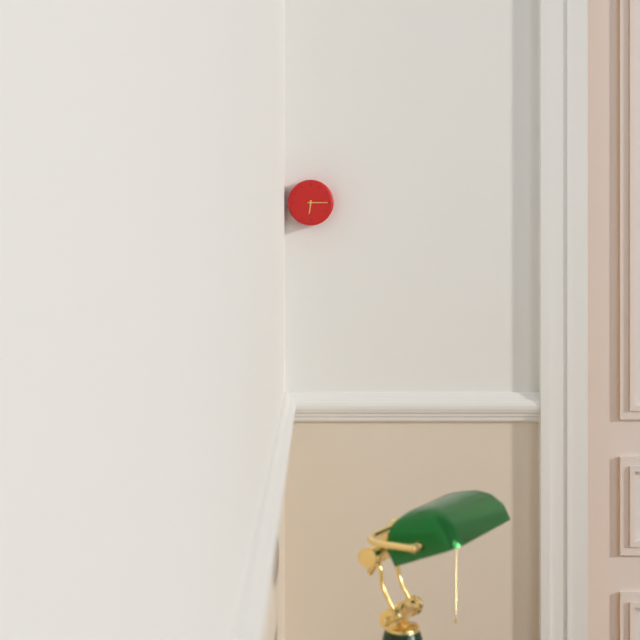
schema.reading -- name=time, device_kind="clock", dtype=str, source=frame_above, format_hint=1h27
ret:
6h15
